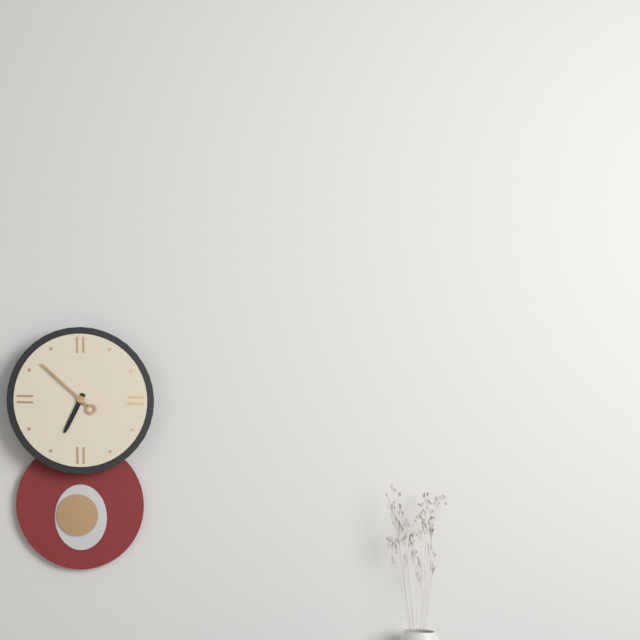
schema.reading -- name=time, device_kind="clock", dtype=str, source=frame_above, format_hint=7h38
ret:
6h52
